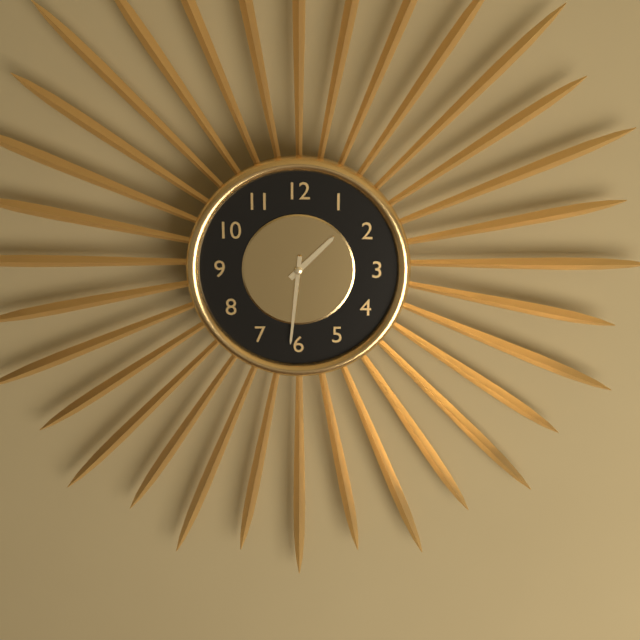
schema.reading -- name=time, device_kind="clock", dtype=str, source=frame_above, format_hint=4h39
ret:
1h31
